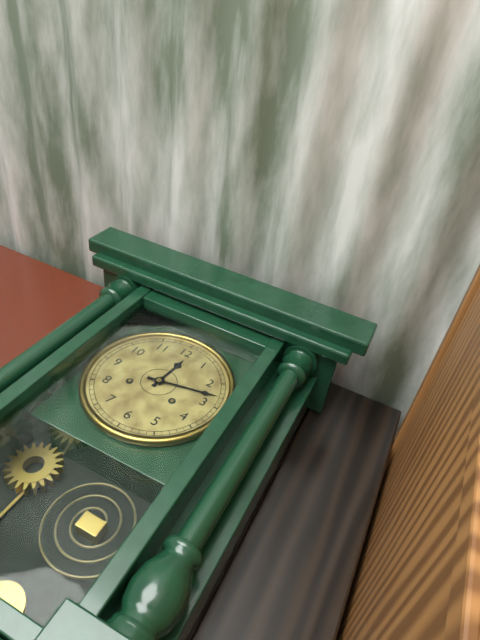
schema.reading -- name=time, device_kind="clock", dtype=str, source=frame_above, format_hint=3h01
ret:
12h13
